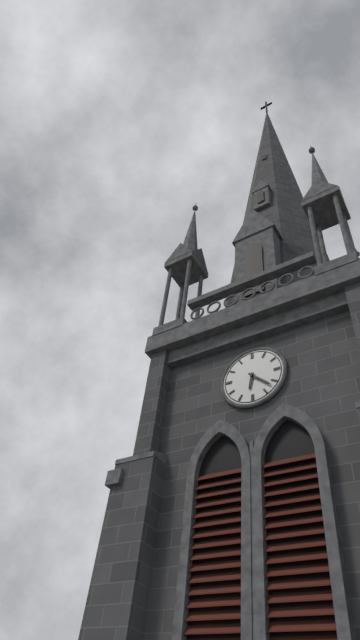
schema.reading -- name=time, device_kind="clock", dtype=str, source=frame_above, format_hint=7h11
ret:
6h22
